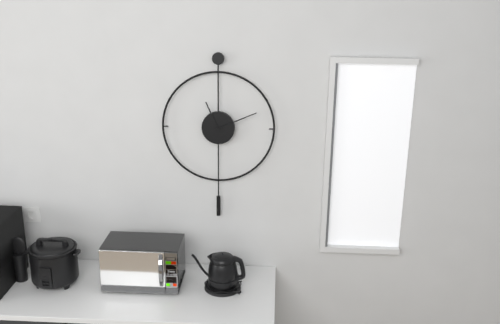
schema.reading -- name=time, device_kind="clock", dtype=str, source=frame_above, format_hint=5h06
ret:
11h11
